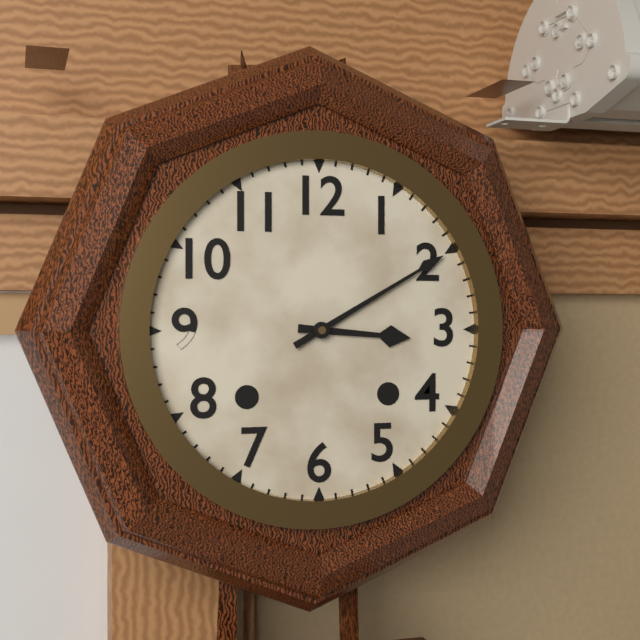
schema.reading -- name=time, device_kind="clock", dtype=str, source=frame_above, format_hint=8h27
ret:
3h10
